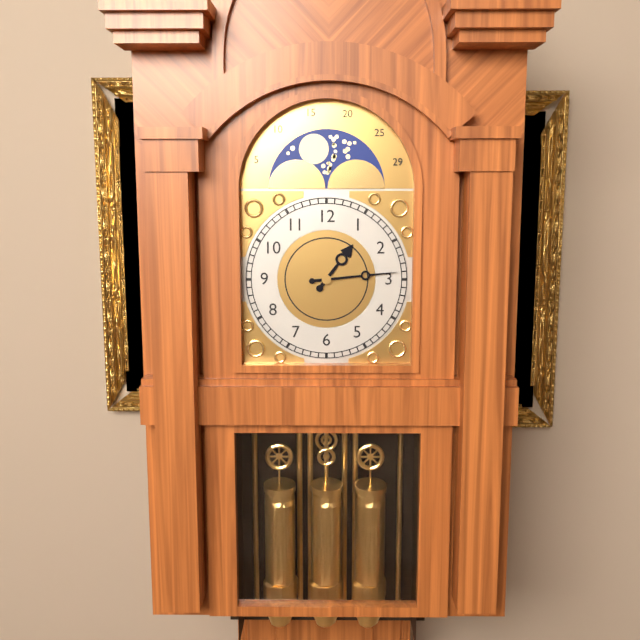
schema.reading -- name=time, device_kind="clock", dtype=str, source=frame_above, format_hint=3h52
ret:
1h14
